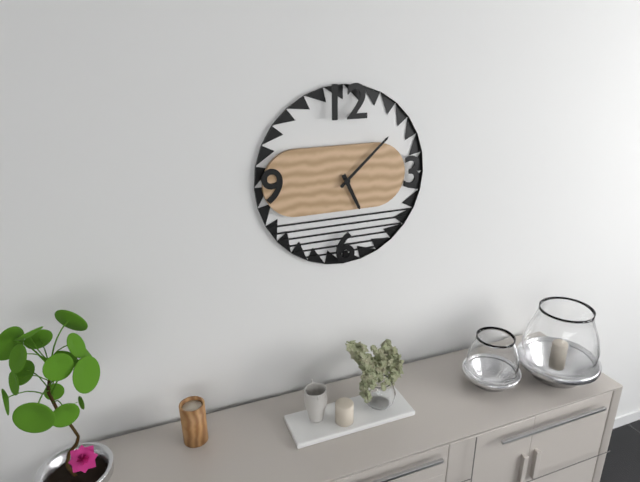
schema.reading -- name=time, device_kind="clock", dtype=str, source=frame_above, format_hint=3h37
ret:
5h08
